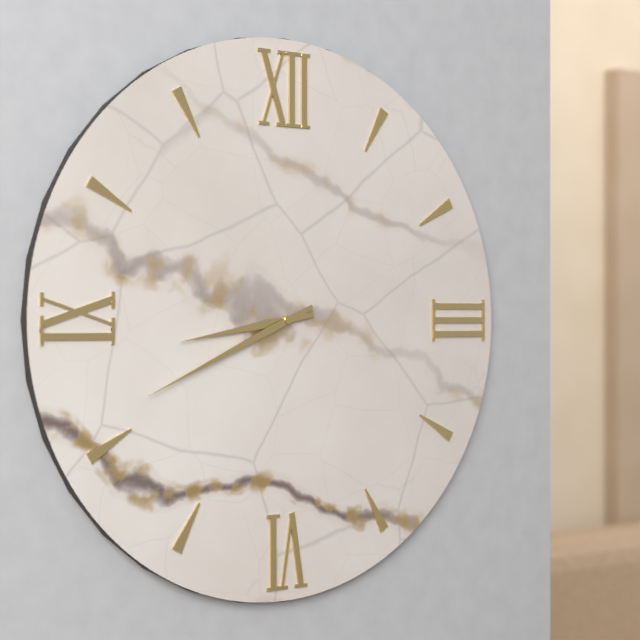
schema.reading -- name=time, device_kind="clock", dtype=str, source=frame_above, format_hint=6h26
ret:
8h41
